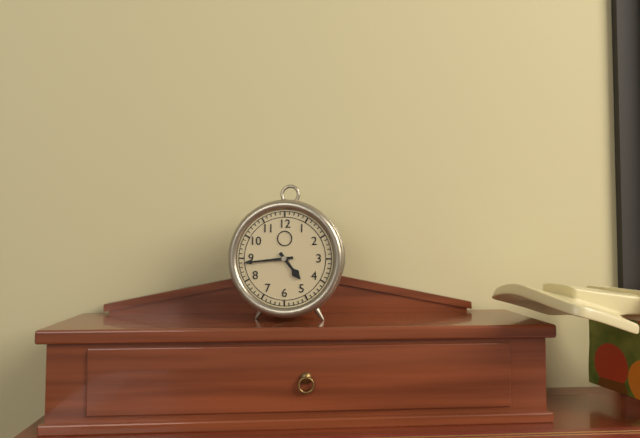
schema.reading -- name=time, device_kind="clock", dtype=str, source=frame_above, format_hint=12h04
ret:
4h44
